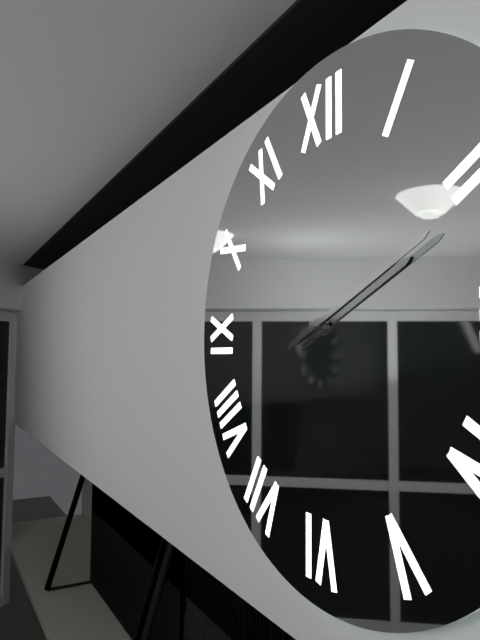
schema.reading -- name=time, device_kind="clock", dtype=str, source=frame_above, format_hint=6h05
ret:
2h11
